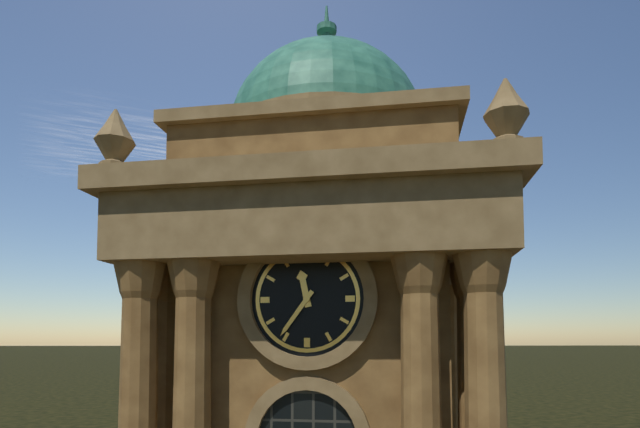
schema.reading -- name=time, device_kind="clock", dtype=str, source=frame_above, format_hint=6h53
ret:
11h36
